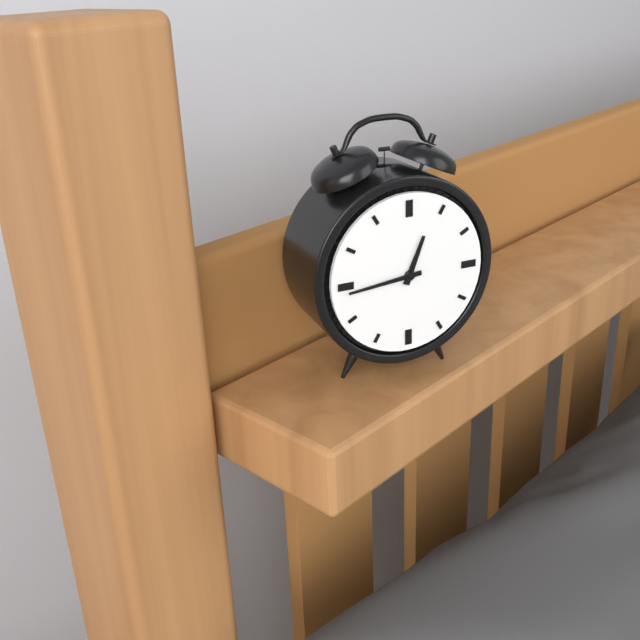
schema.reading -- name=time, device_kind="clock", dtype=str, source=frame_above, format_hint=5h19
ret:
12h44
